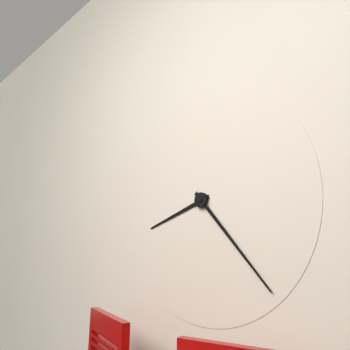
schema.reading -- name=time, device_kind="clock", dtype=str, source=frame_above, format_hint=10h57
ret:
8h23
